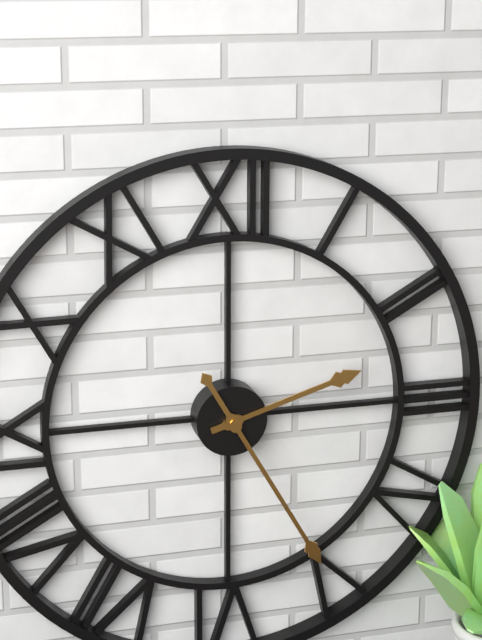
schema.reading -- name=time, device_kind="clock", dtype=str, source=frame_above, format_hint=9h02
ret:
2h25
